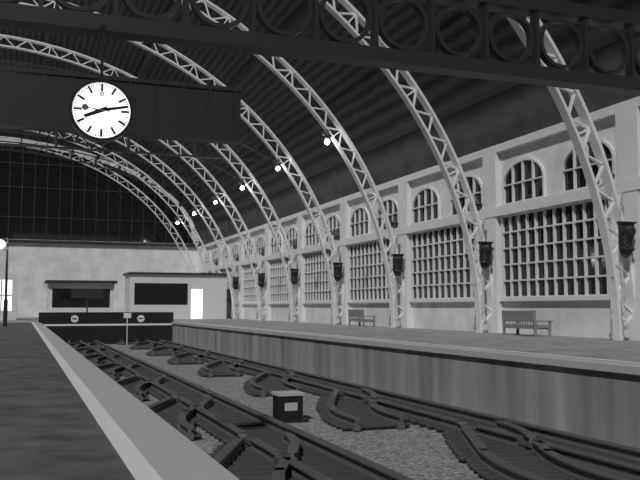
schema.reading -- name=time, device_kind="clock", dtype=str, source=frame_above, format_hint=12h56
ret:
8h13
